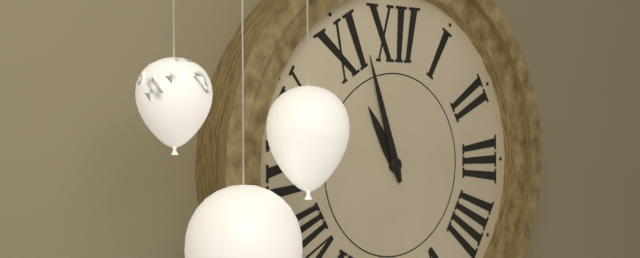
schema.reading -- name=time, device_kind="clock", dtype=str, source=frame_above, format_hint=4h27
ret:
10h57
